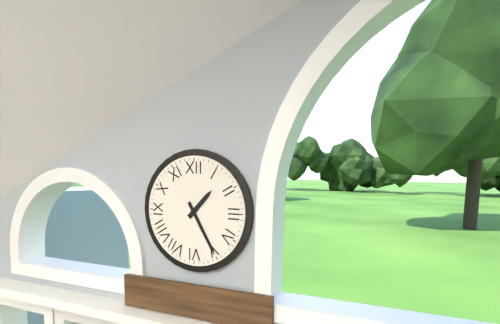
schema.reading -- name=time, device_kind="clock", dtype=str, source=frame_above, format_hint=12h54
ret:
1h25
